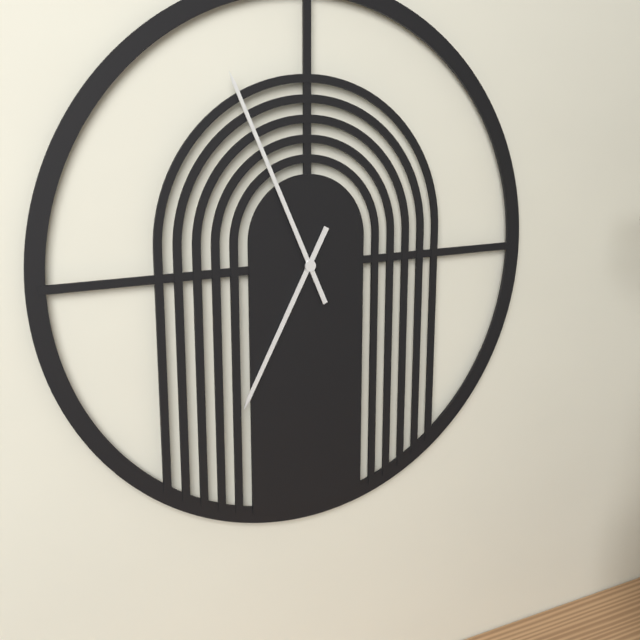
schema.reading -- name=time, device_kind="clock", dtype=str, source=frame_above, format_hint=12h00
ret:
6h56
